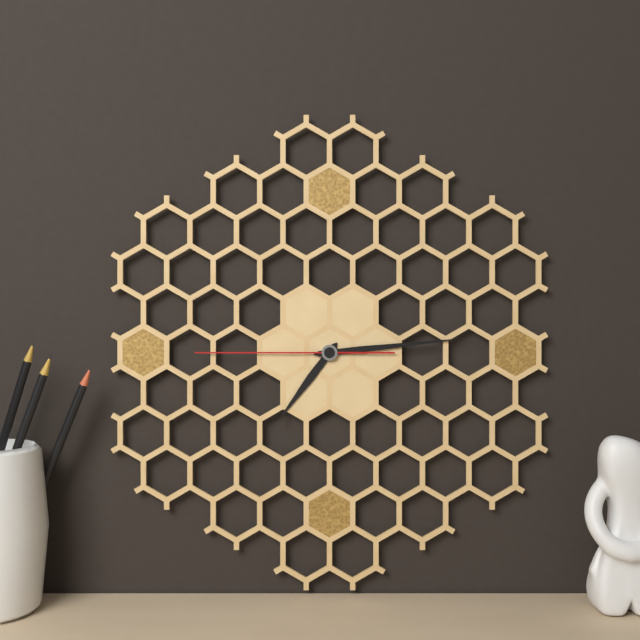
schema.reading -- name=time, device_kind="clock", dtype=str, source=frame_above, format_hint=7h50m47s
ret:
7h14m45s
